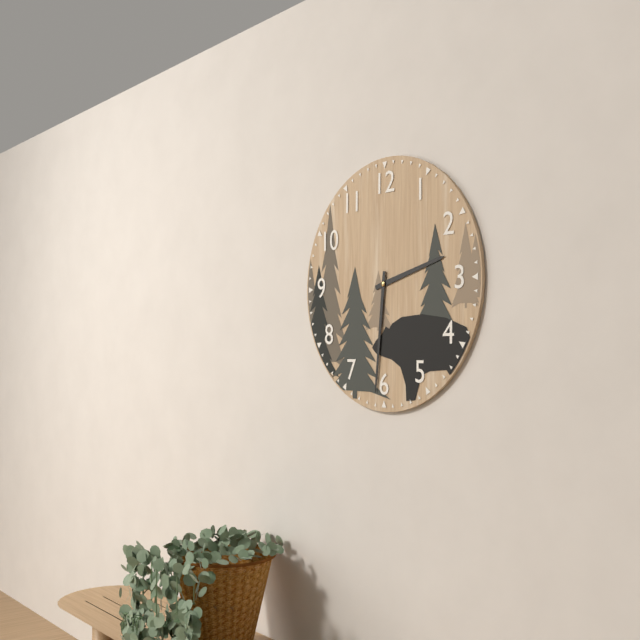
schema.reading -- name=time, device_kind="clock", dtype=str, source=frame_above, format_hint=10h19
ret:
2h31
